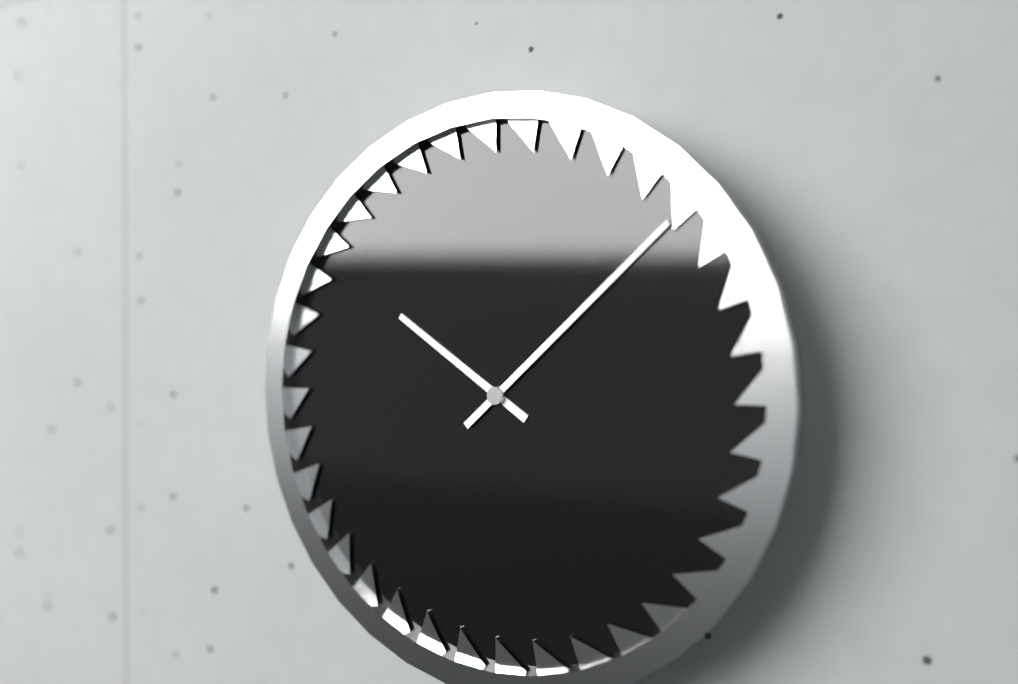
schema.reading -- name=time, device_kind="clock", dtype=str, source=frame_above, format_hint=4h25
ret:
10h08
